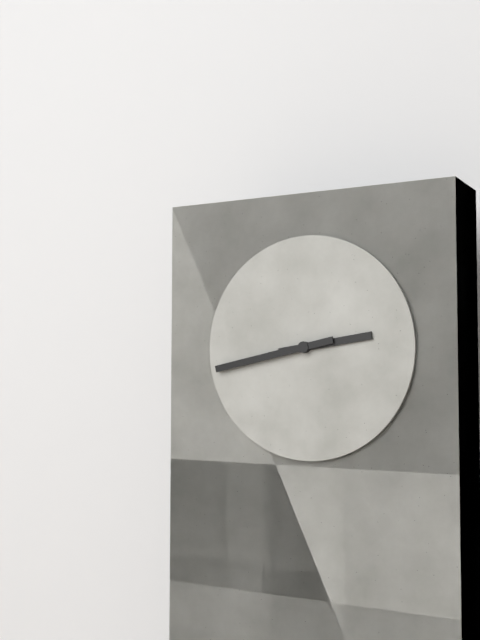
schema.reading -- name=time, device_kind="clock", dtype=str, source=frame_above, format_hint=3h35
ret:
2h43
